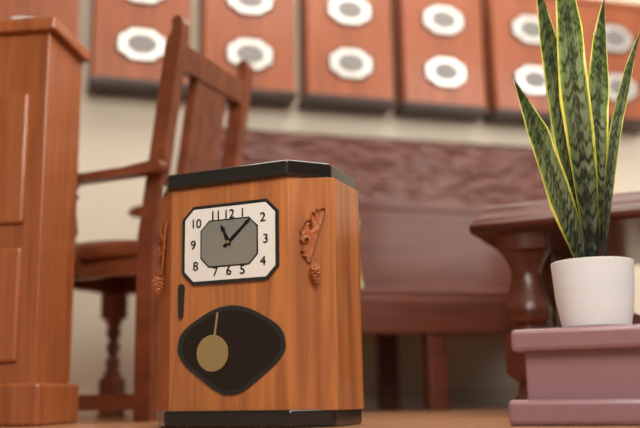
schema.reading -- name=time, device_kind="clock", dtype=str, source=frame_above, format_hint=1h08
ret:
11h08
